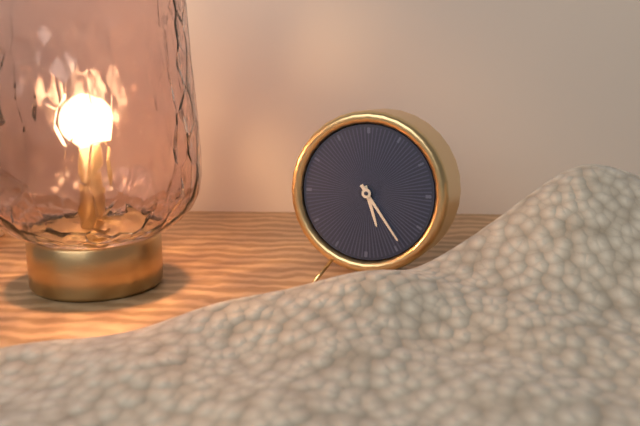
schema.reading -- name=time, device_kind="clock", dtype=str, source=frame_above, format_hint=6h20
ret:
5h24
